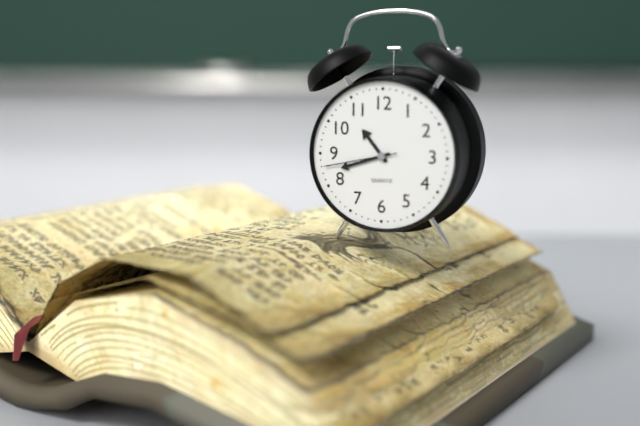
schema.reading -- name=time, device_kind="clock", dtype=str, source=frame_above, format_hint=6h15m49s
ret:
10h42m43s
